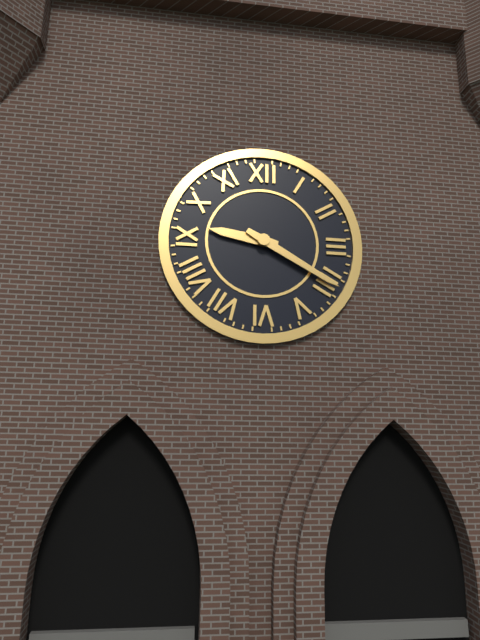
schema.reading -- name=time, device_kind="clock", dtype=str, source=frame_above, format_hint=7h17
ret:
9h20
